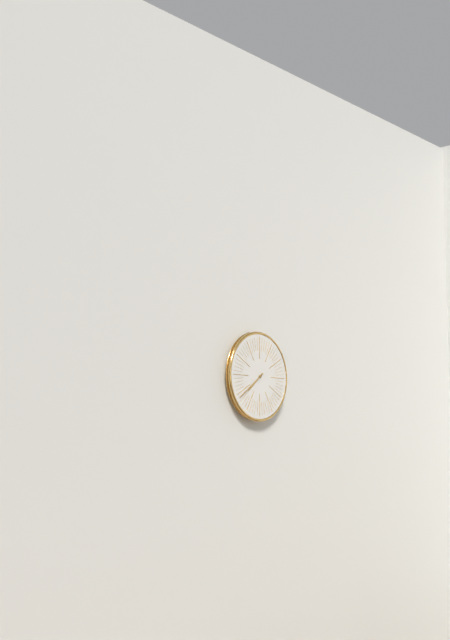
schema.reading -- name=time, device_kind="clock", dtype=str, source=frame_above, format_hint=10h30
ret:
7h39
